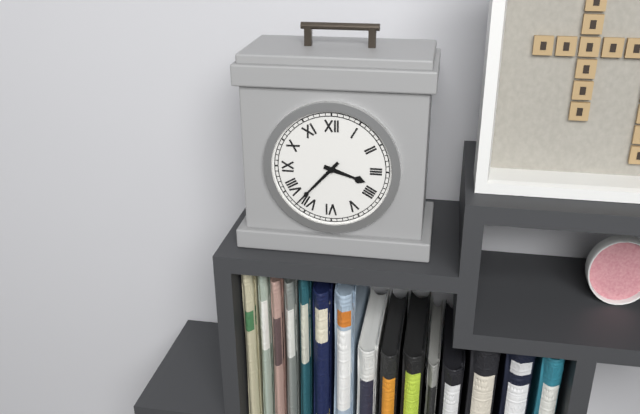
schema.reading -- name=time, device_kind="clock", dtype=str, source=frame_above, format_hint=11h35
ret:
3h37
